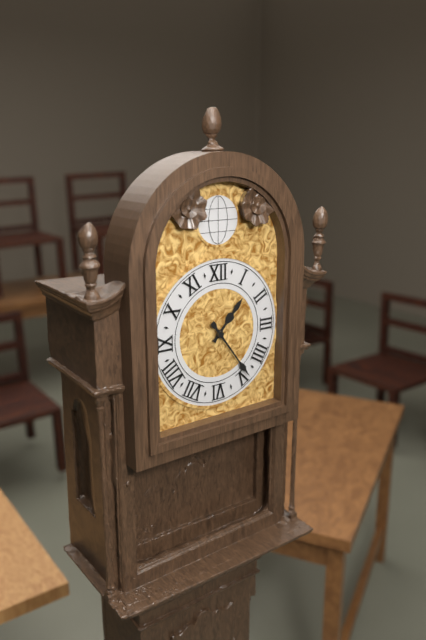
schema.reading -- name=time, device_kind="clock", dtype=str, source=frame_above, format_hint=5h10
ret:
1h24
